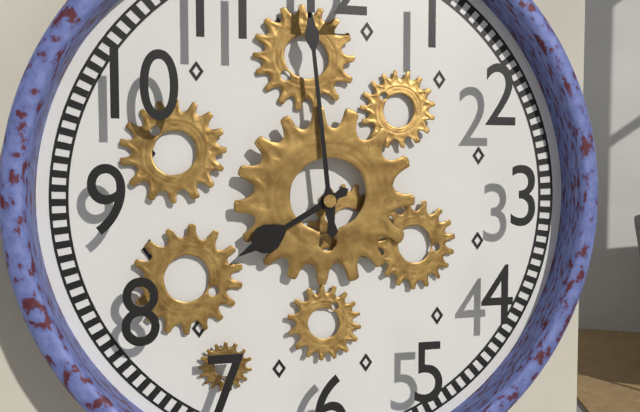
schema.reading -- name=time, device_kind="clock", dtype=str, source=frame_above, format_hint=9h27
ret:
7h59
